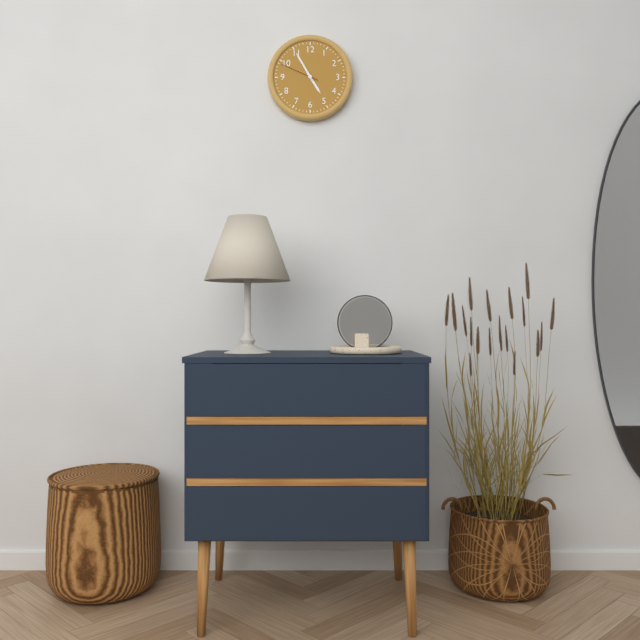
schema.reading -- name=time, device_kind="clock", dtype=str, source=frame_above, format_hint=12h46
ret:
4h55
